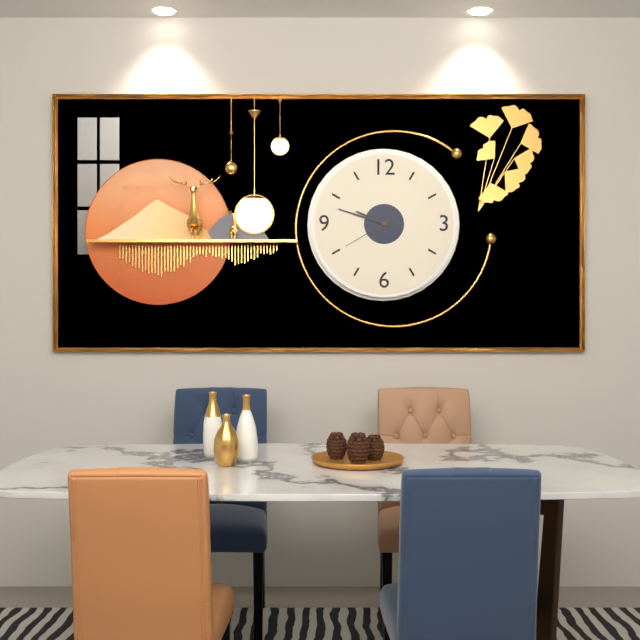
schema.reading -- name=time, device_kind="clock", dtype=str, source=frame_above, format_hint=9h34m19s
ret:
9h48m40s
